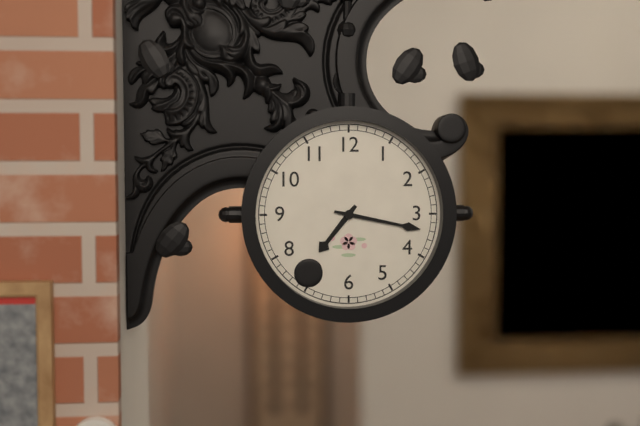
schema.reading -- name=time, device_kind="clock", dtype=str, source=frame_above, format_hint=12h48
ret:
7h17
